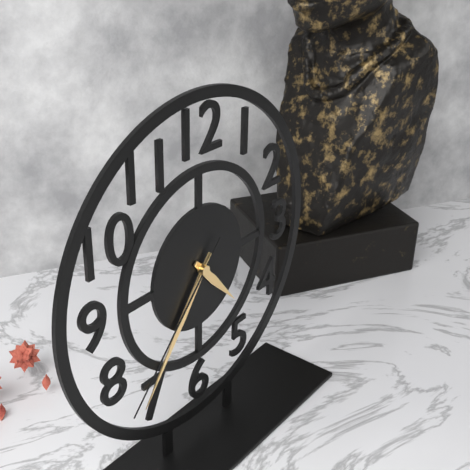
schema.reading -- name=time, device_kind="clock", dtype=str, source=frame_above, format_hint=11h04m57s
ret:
4h36m37s
